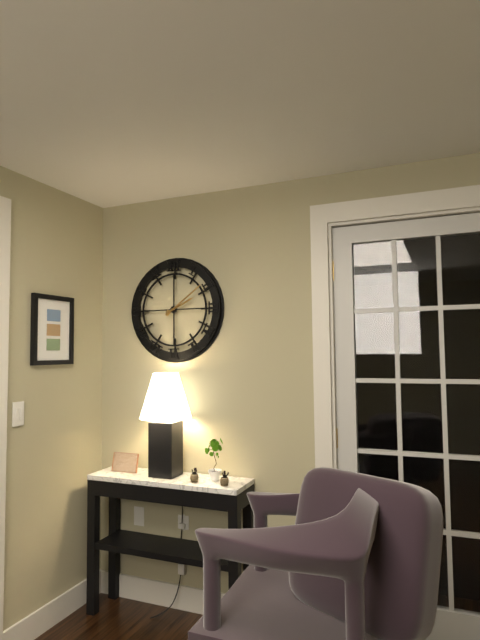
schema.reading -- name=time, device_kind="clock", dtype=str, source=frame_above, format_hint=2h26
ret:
2h09
